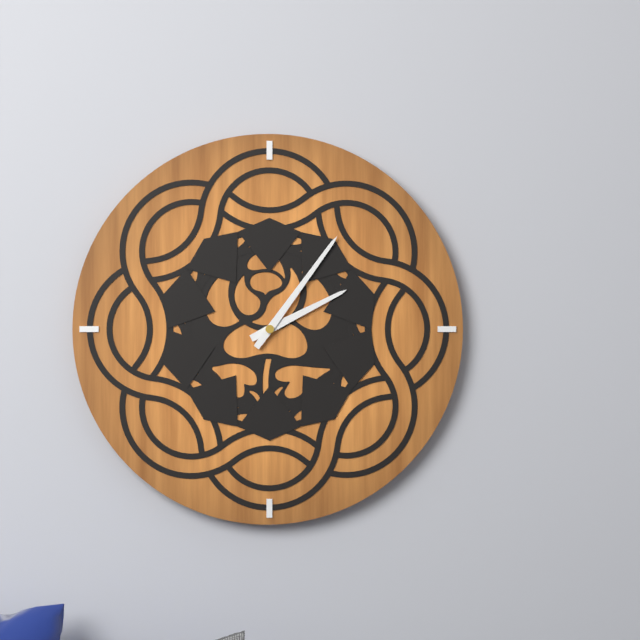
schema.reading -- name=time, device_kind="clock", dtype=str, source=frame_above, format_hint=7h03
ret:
2h06
